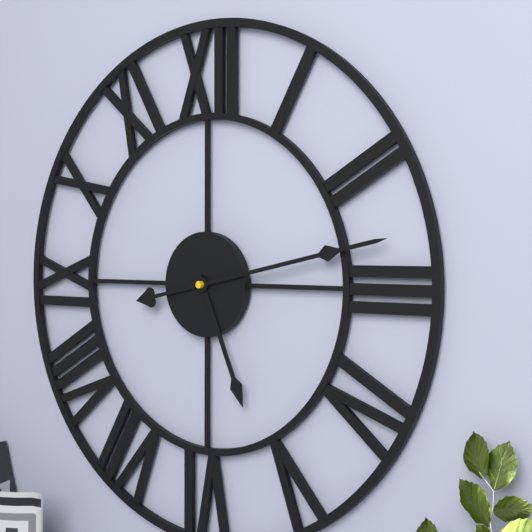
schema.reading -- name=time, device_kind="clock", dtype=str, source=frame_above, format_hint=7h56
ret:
5h13
